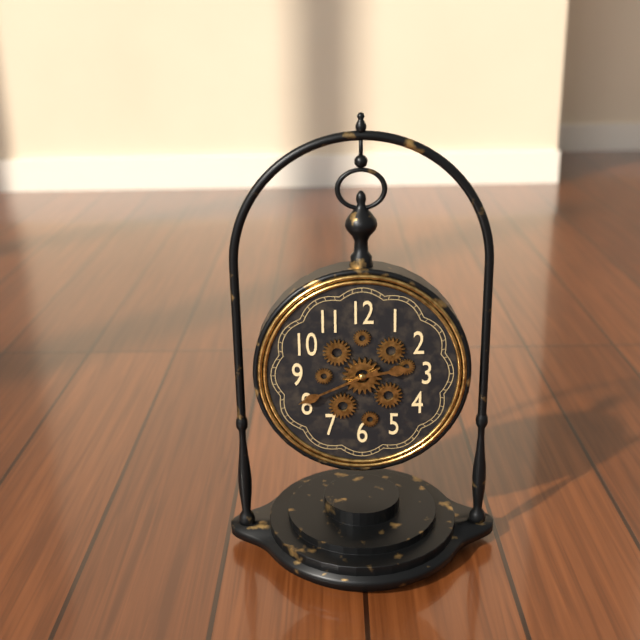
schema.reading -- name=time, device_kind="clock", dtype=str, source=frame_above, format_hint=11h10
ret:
2h41
